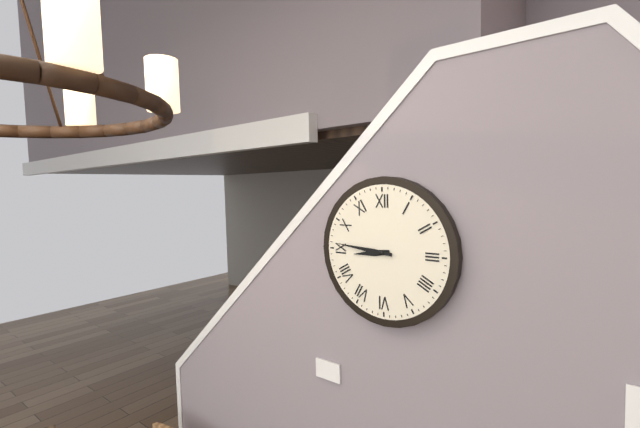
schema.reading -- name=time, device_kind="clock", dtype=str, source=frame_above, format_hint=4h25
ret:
8h46
